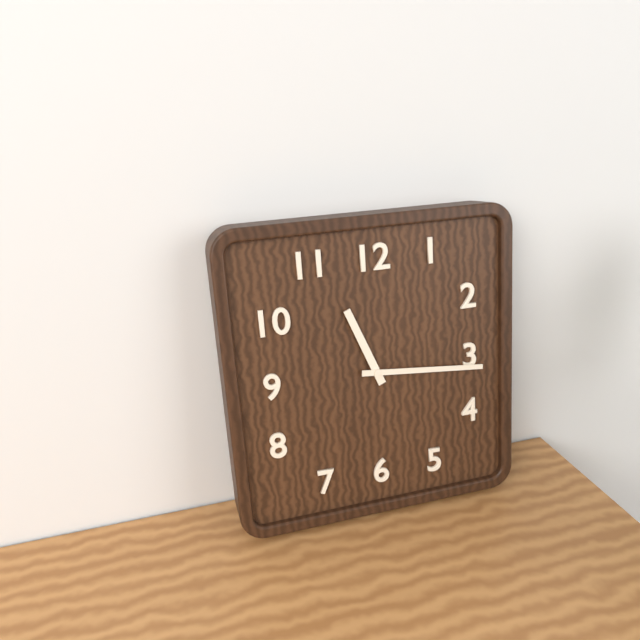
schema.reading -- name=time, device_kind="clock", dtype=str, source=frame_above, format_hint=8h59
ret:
11h16
